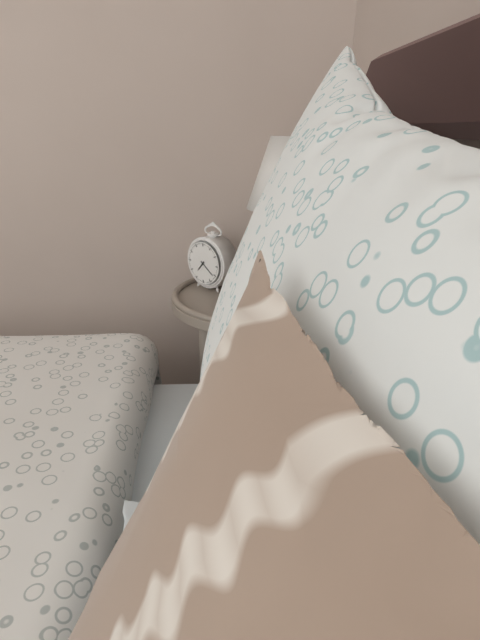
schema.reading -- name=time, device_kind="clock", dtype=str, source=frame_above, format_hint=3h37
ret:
7h21
